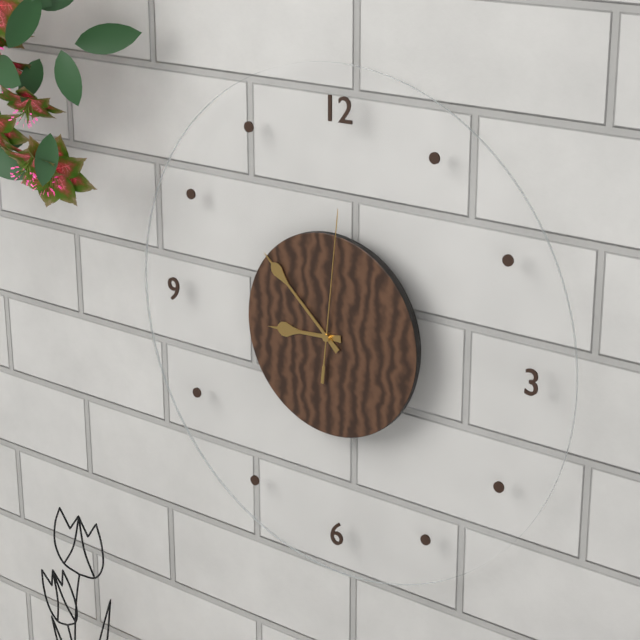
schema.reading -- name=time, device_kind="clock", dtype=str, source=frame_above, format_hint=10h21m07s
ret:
8h52m01s
